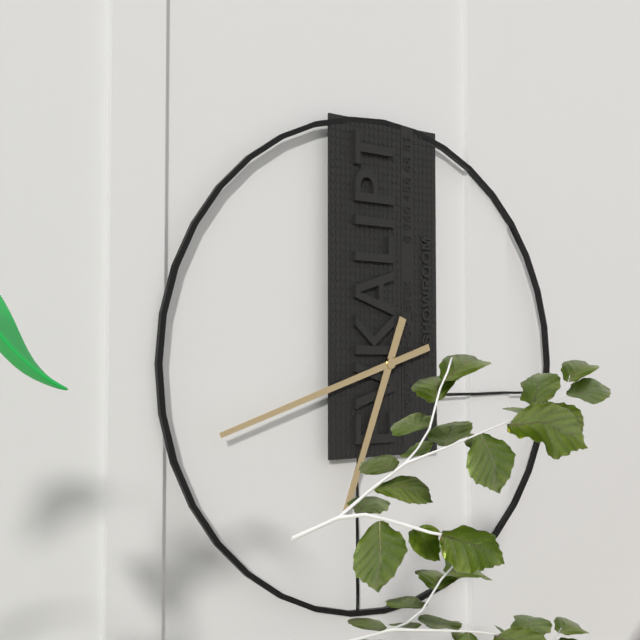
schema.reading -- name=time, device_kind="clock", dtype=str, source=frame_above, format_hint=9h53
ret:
6h42
